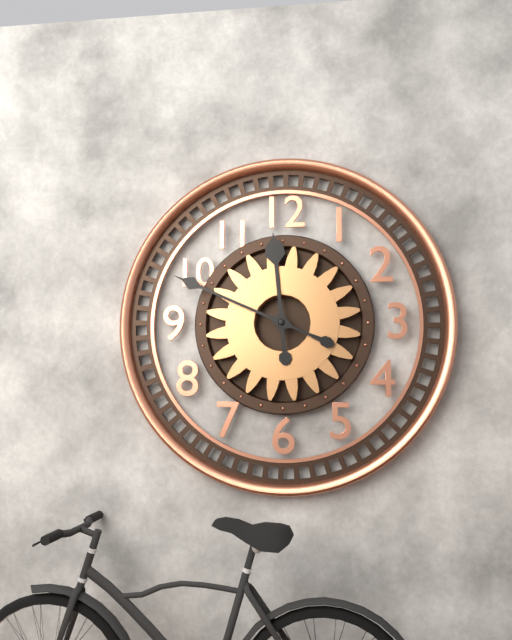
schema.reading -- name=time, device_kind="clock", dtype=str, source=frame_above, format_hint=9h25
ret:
11h49
